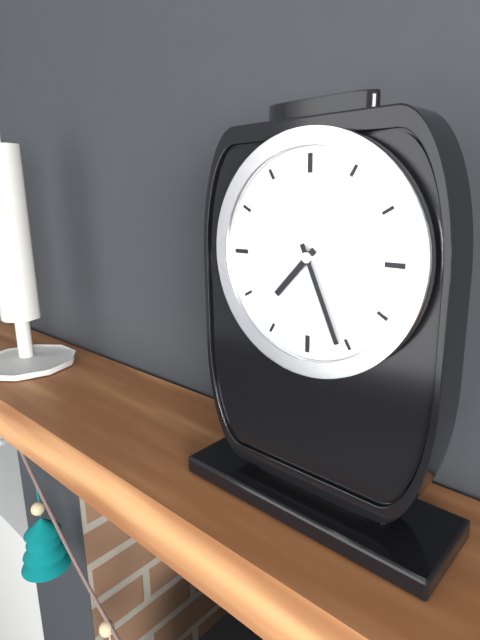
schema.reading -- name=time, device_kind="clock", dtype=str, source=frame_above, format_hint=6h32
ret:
7h26
